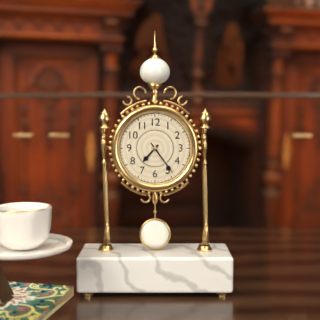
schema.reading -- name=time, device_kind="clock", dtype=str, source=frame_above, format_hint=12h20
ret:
7h24
